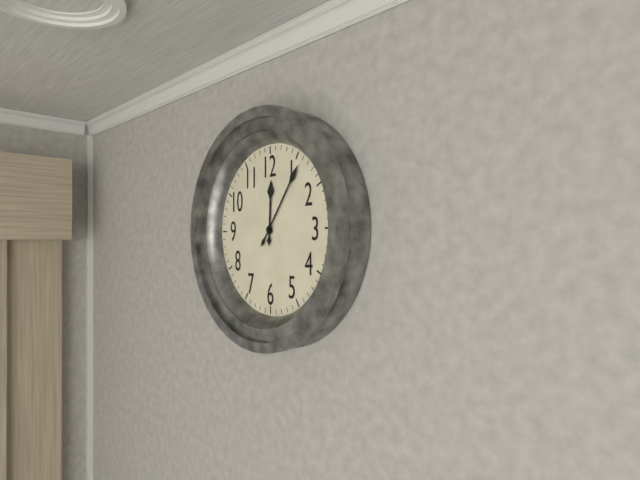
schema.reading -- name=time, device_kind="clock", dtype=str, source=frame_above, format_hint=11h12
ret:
12h06
